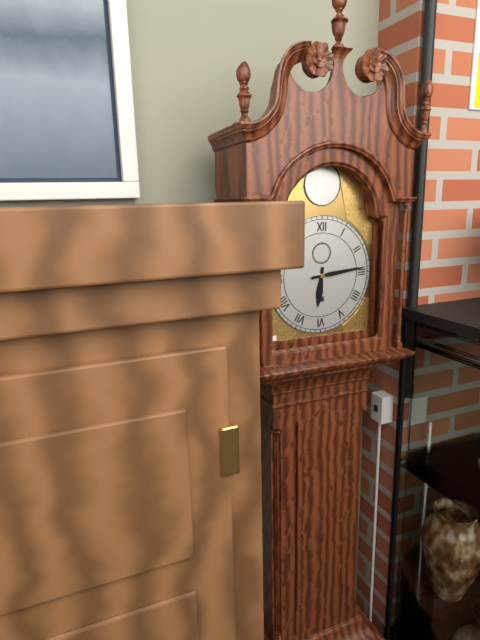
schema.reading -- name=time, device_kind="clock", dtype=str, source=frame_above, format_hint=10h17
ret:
6h14
